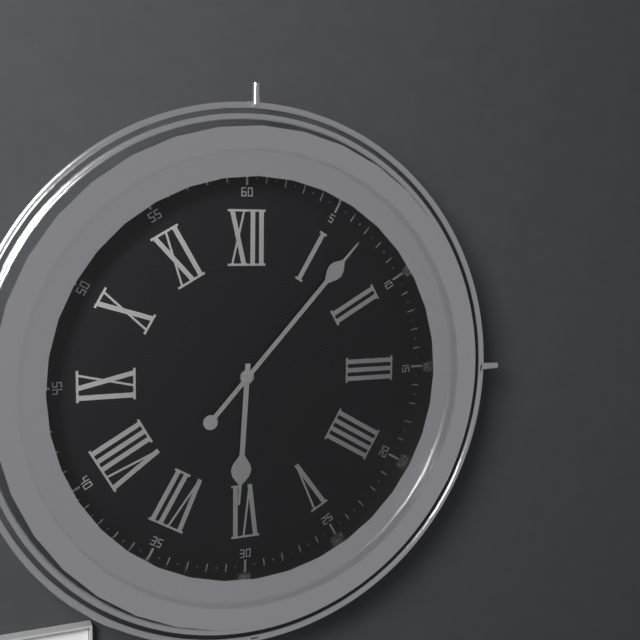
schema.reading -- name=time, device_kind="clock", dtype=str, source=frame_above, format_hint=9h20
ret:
6h07
